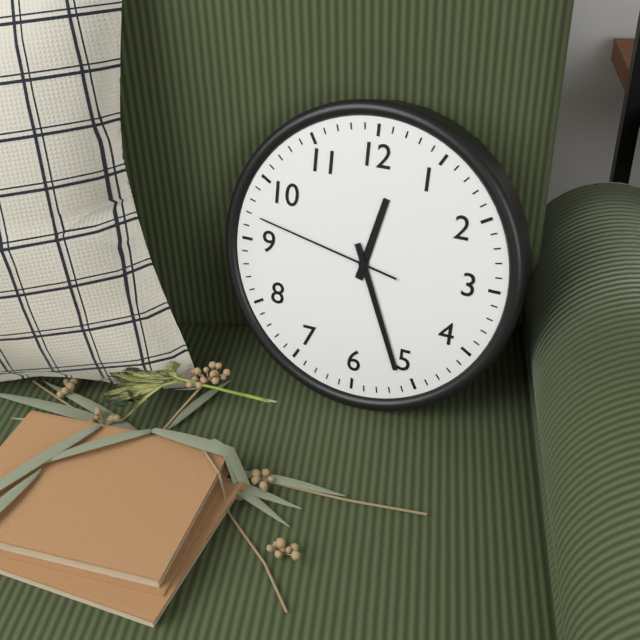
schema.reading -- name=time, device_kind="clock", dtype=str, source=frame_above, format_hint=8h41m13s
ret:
12h26m47s
